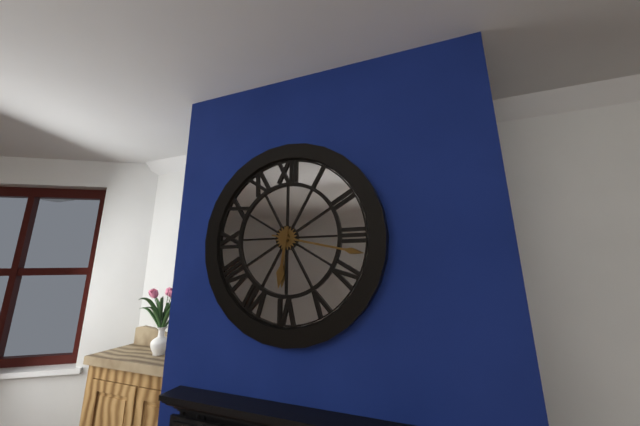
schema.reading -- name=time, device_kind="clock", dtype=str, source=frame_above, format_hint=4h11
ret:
6h17
